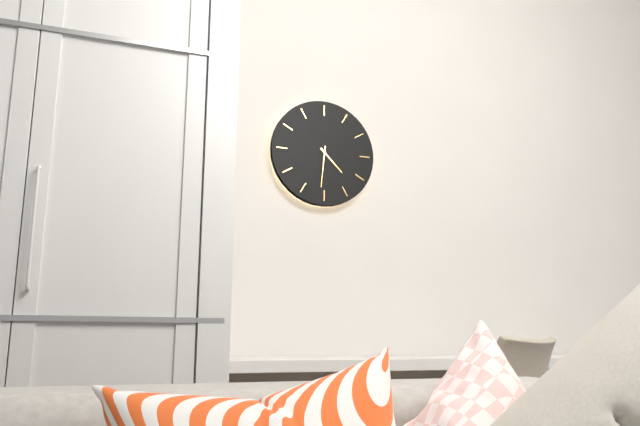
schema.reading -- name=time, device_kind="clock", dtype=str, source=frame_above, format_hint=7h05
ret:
4h31
